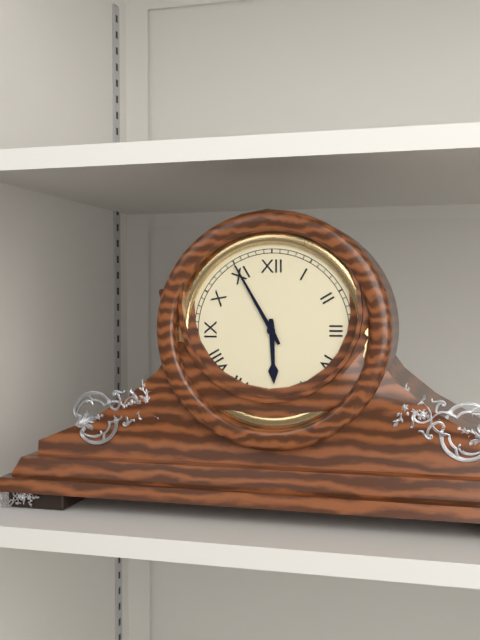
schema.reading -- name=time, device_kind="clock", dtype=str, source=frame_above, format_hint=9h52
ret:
5h55
